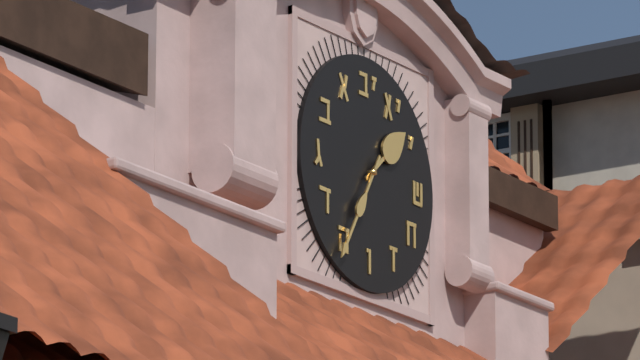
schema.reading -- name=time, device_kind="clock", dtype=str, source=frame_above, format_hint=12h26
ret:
1h35
